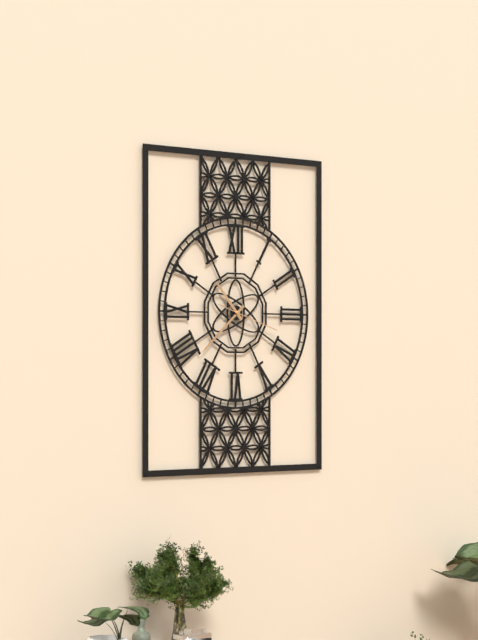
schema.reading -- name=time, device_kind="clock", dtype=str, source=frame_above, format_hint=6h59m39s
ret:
10h38m18s
